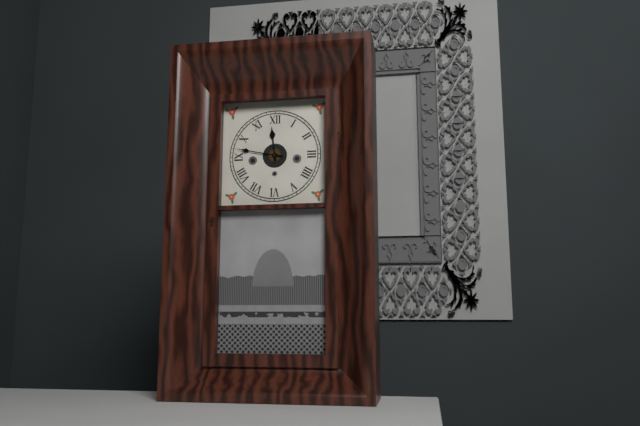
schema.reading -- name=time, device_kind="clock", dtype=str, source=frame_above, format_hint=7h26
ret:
11h47
